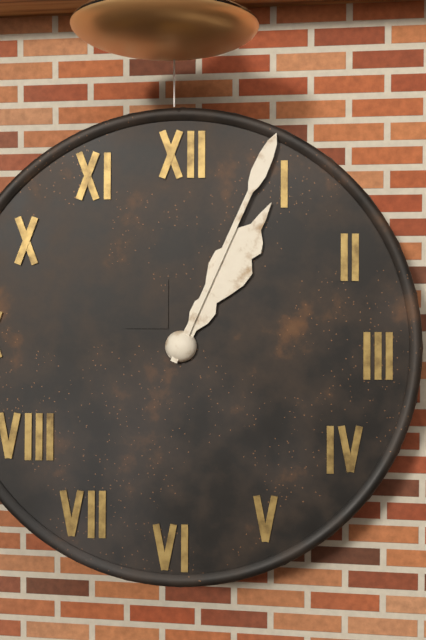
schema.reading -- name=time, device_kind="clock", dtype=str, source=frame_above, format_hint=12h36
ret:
1h04
